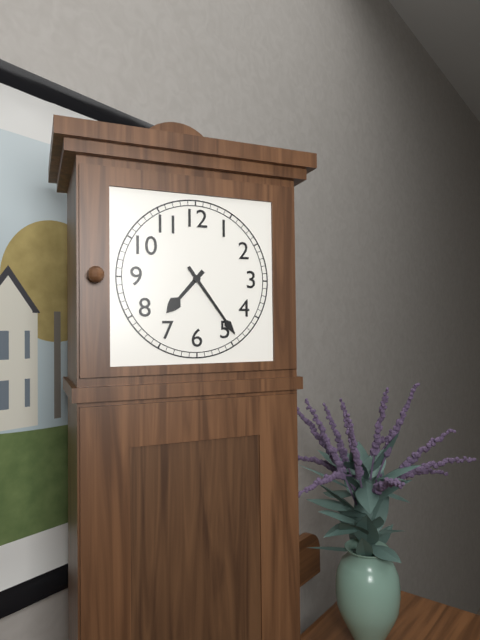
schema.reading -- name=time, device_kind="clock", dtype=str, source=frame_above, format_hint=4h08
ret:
7h24
